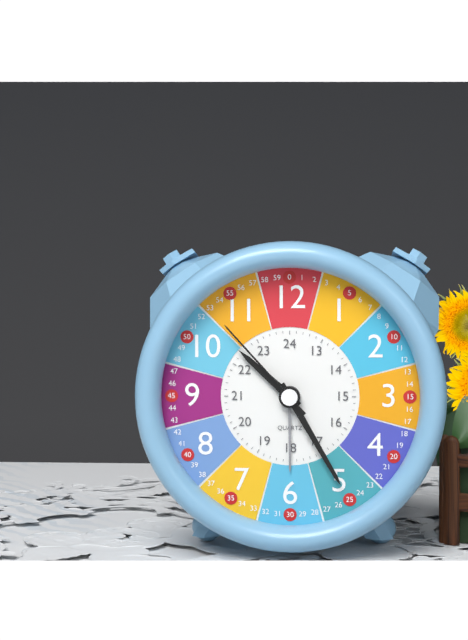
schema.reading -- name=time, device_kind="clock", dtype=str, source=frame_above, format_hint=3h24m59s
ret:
10h25m53s
